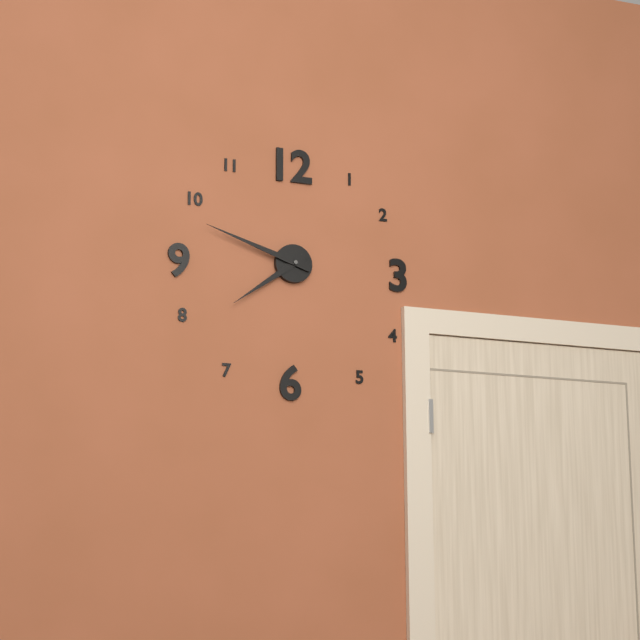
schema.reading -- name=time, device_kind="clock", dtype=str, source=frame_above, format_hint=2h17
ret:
7h48
